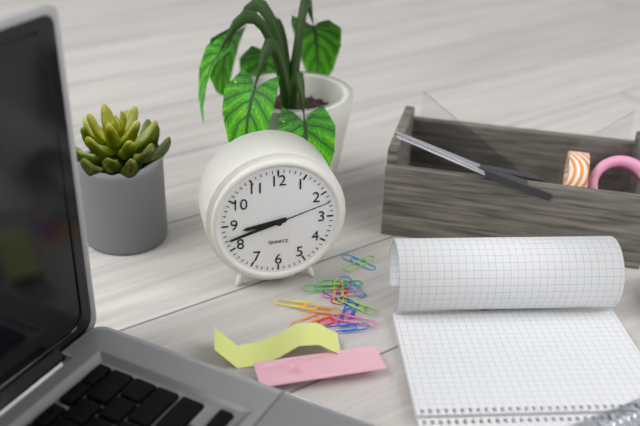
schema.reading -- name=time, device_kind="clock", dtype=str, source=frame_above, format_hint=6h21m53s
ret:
8h42m12s
